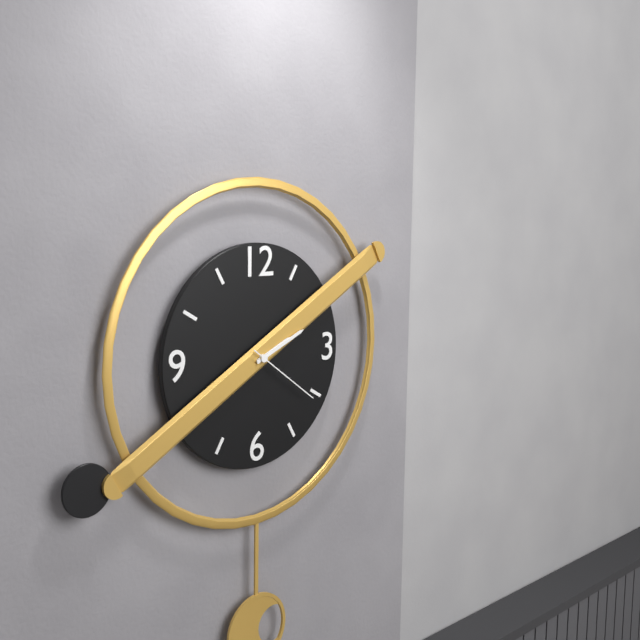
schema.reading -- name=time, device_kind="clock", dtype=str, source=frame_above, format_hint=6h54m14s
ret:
2h11m21s
